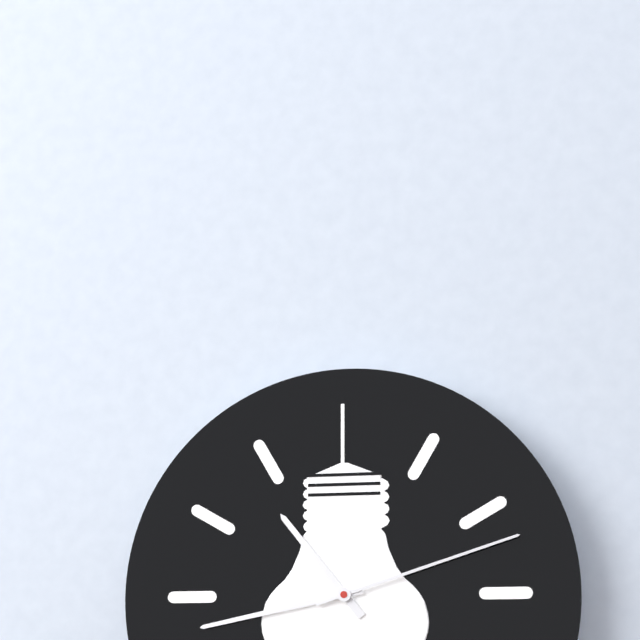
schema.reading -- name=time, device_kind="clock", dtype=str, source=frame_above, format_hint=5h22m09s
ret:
10h43m12s
